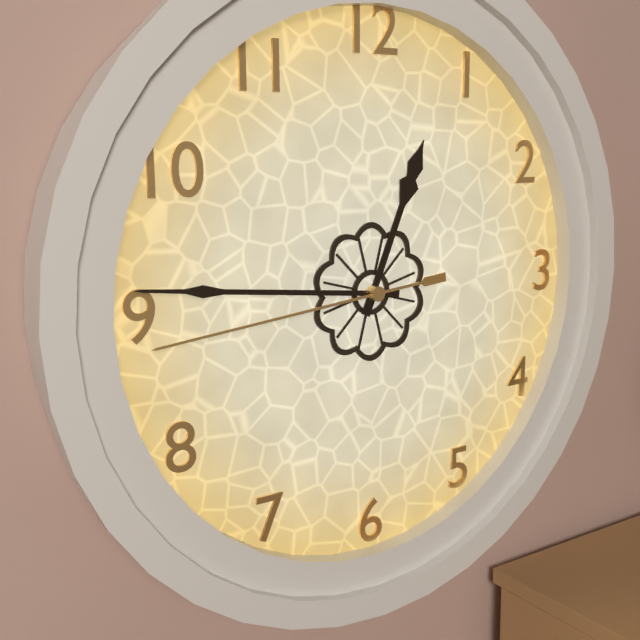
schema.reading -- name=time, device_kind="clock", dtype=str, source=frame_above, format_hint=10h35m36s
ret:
12h46m44s
